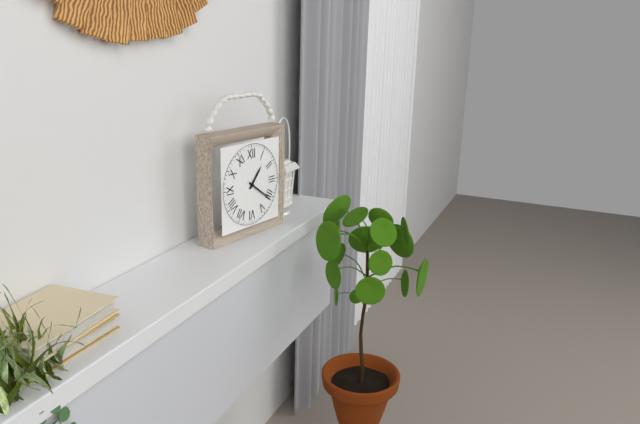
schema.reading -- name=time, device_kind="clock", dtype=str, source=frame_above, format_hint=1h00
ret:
1h21
